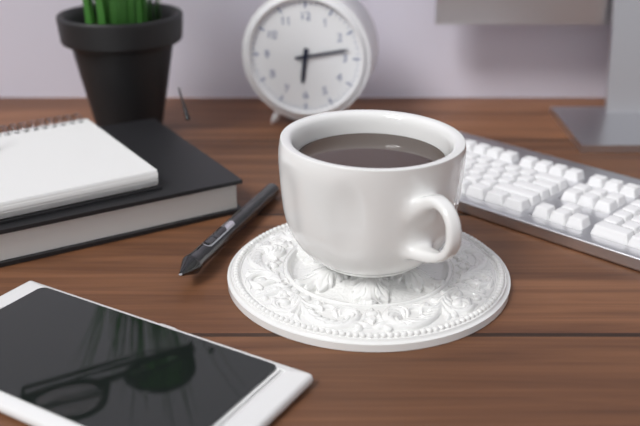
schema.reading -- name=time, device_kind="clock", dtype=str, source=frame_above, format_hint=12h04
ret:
6h13
